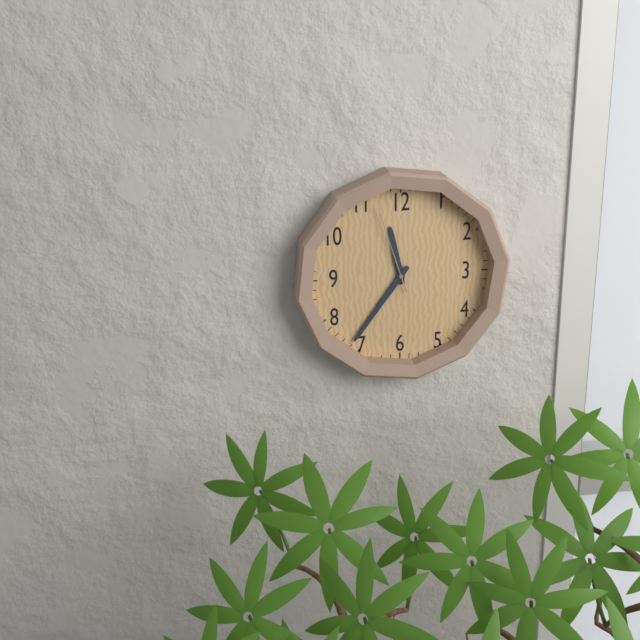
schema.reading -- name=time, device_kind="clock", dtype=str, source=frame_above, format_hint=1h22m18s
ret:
11h36m57s
